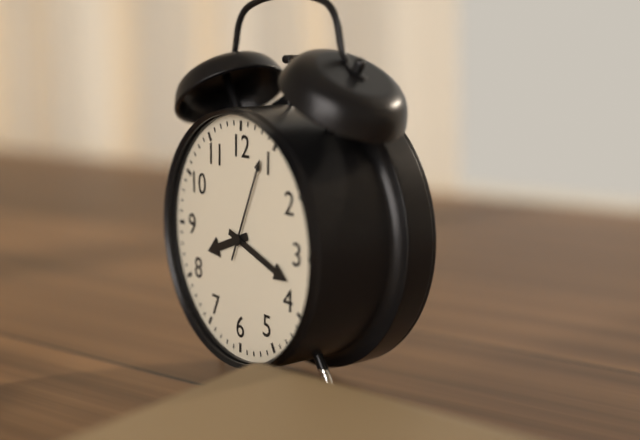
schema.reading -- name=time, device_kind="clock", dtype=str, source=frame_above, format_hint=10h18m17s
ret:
8h18m04s
